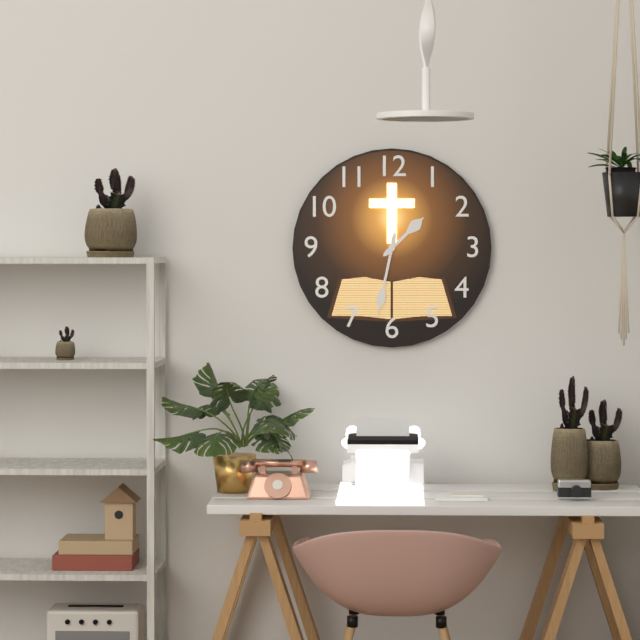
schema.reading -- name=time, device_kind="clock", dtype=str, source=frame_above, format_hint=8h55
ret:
1h32
